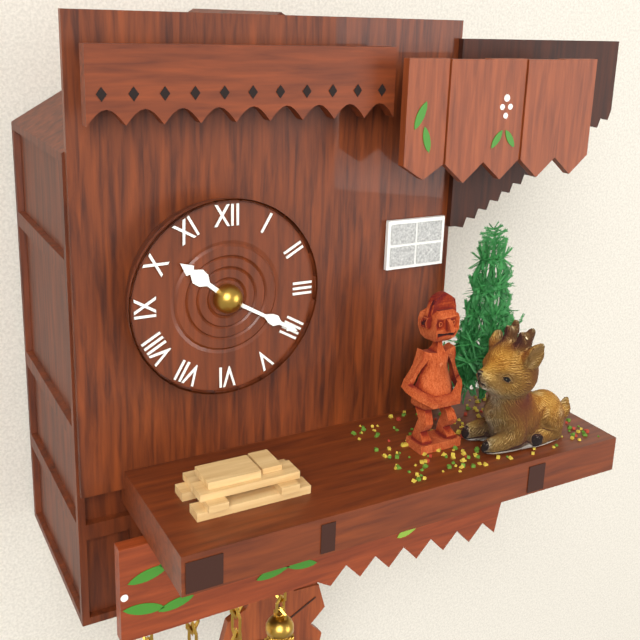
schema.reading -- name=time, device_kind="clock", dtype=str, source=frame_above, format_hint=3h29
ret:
10h20
